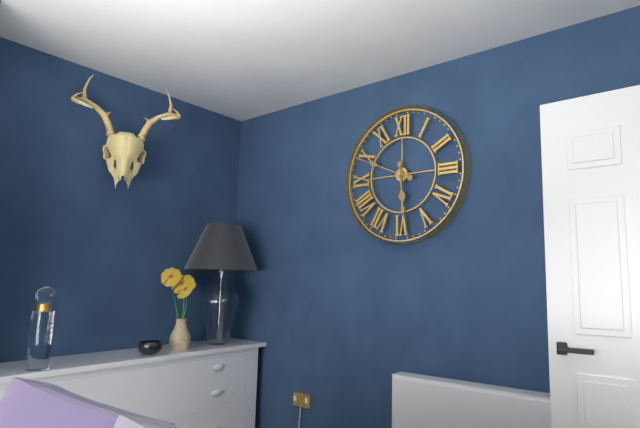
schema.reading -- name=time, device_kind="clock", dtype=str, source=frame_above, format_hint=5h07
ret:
5h49
